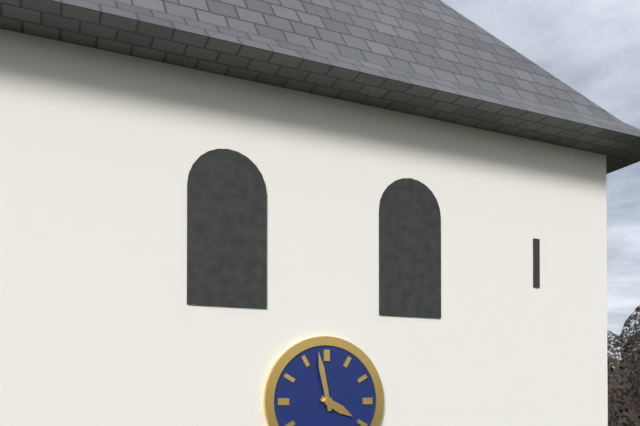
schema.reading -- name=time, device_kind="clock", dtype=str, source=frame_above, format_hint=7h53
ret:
3h58
